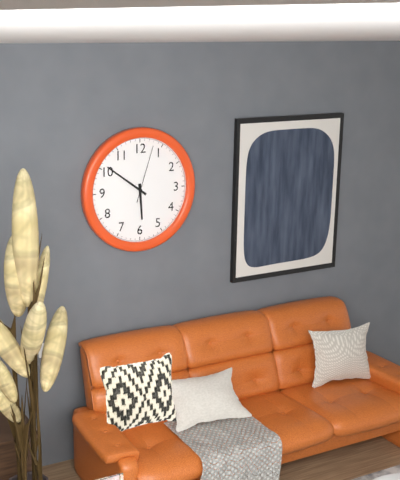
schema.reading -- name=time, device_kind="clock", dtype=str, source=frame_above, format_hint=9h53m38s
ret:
5h51m03s
